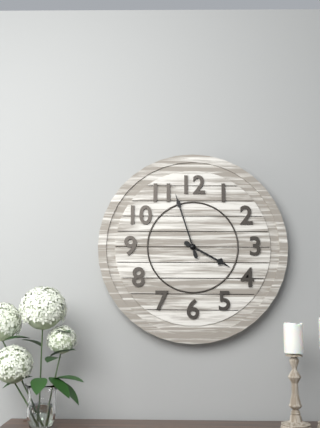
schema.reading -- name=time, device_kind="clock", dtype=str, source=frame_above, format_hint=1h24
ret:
3h57
